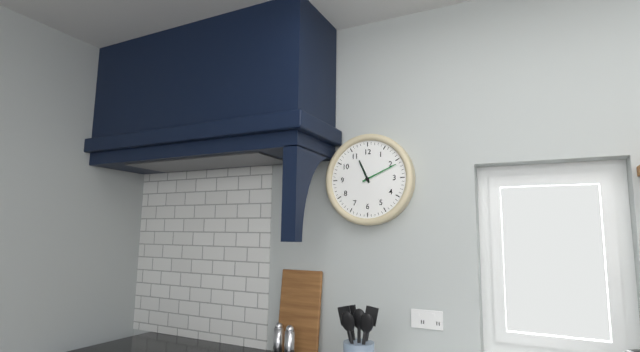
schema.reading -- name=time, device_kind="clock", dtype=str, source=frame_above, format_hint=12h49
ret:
11h11
